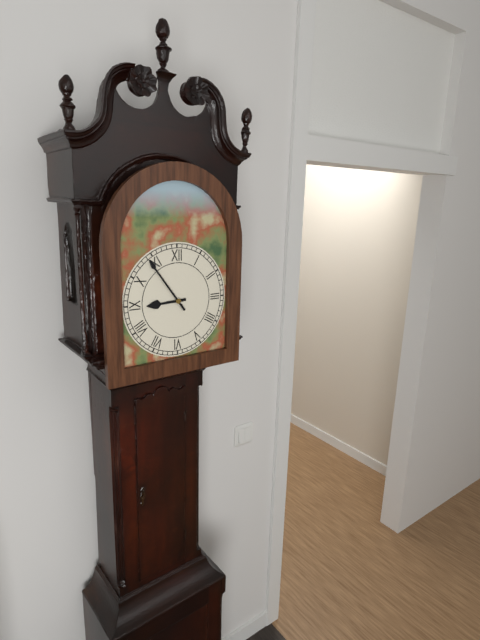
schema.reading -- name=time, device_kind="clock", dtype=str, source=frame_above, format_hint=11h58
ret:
8h54
